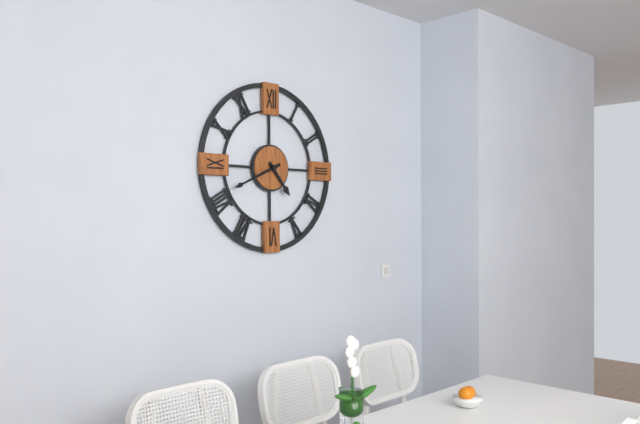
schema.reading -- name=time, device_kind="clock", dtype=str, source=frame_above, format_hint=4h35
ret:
4h41
